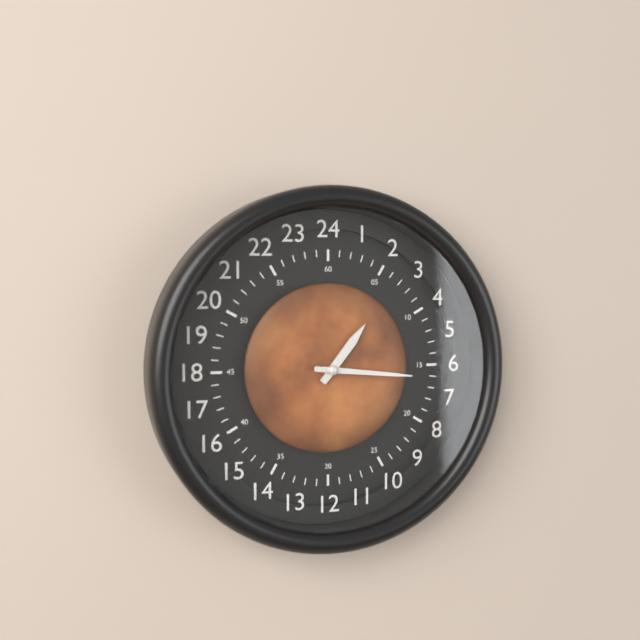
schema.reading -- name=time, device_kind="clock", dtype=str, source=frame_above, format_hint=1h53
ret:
1h16
